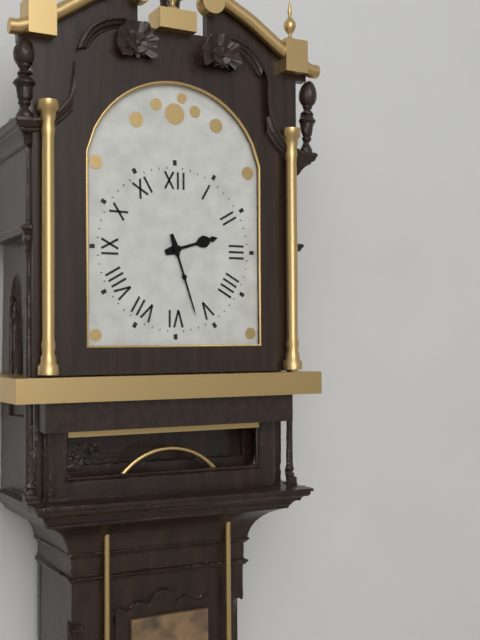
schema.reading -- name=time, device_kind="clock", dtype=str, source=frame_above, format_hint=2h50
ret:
2h27
